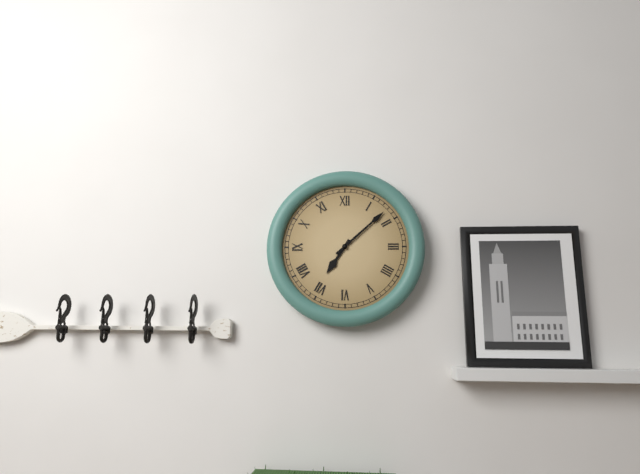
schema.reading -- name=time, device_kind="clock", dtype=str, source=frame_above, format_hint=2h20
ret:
7h08
